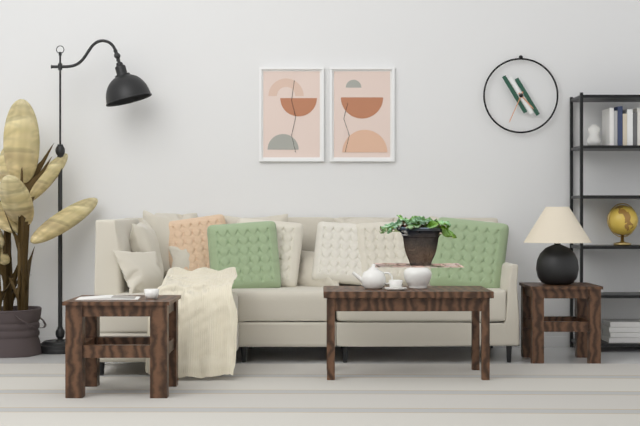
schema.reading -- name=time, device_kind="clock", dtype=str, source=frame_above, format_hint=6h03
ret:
4h34
